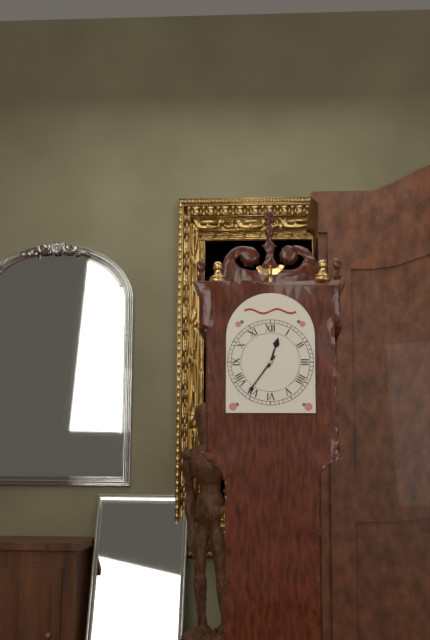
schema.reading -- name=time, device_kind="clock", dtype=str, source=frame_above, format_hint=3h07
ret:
12h36
